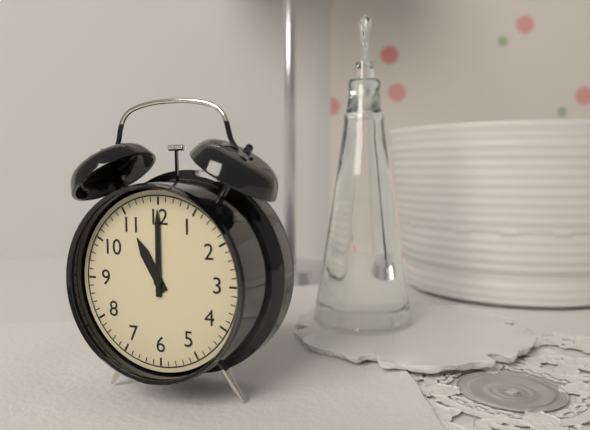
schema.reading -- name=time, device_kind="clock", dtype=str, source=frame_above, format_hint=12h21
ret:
11h00
